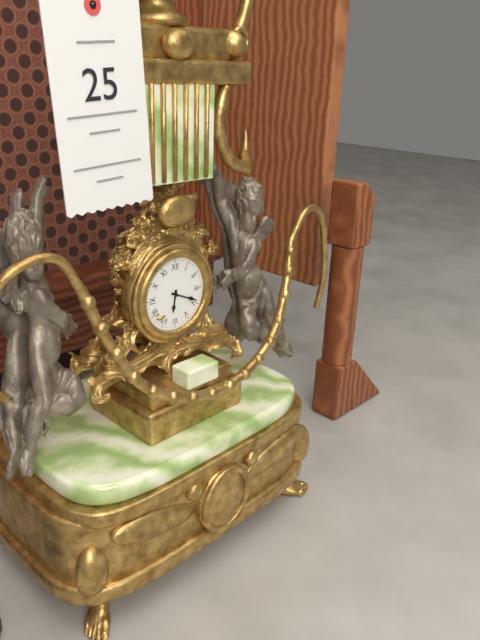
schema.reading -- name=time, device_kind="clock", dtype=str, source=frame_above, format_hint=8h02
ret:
6h19
